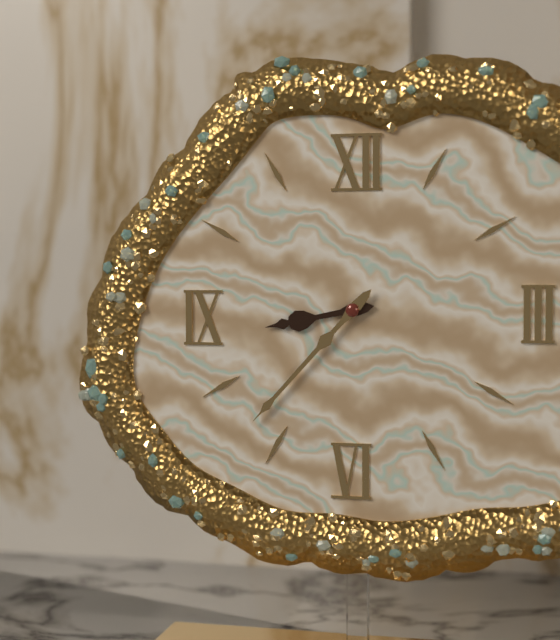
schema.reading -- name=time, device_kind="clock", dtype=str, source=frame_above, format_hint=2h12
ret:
8h37
